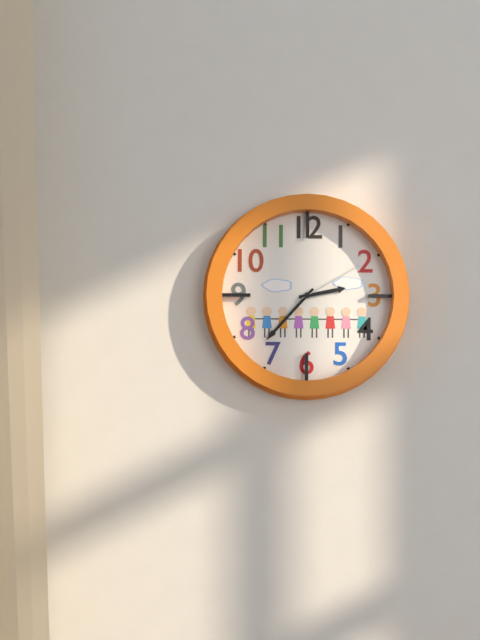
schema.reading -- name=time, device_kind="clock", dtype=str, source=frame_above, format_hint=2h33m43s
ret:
2h37m10s
